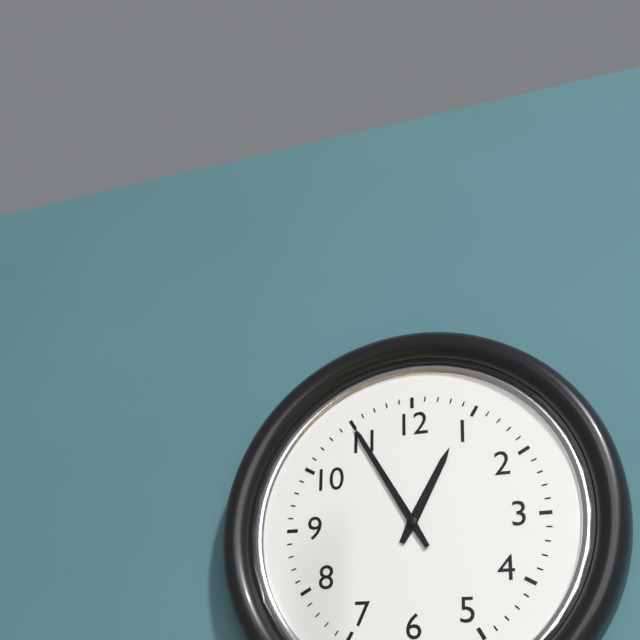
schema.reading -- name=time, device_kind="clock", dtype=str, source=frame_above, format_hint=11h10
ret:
12h55
